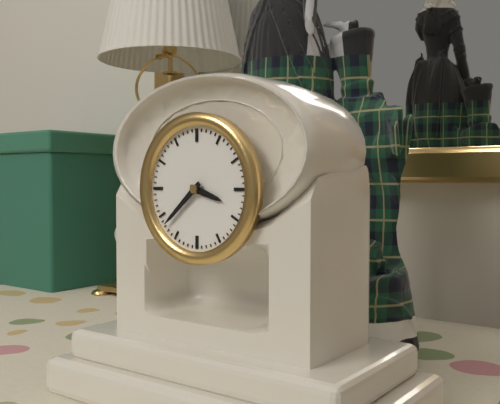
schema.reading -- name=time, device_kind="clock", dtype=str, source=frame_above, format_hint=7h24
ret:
3h38
